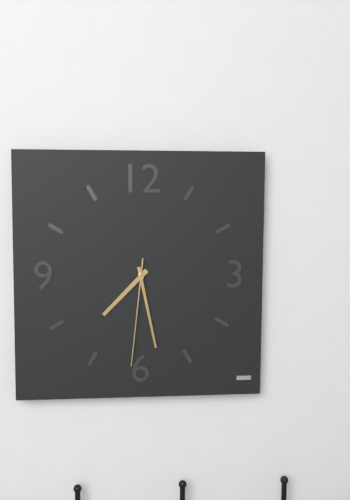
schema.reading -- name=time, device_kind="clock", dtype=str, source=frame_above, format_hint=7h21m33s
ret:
7h28m31s
